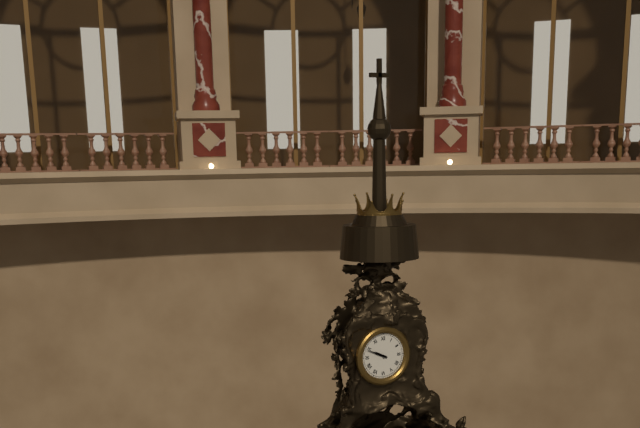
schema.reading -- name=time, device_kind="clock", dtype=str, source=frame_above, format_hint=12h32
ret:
9h49
